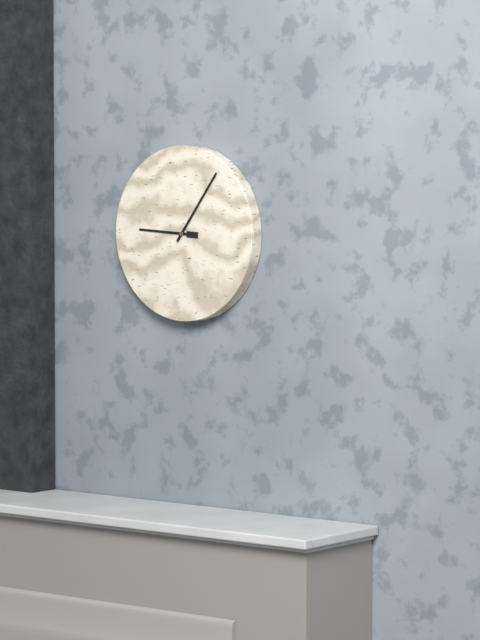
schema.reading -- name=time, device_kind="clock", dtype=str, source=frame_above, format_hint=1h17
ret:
9h06
